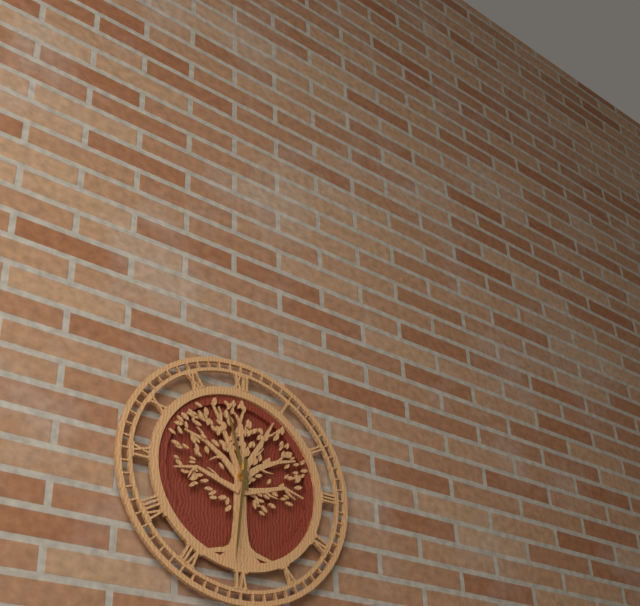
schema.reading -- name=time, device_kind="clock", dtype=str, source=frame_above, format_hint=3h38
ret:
11h31
